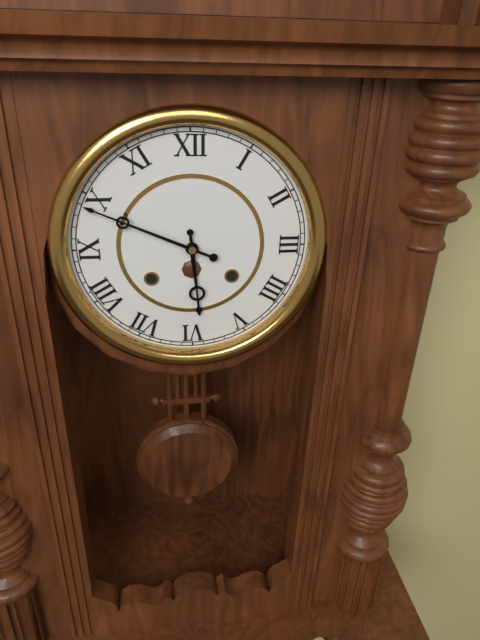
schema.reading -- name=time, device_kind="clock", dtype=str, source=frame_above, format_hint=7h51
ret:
5h49
